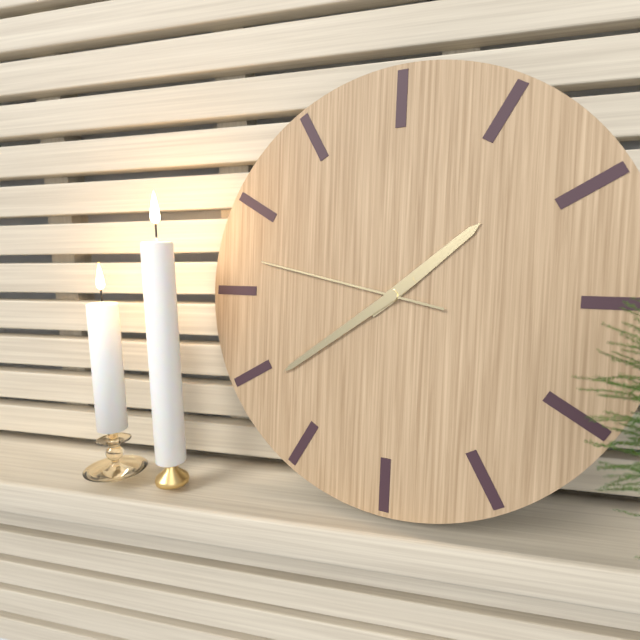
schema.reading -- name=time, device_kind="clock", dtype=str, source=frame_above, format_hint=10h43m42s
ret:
1h39m47s
